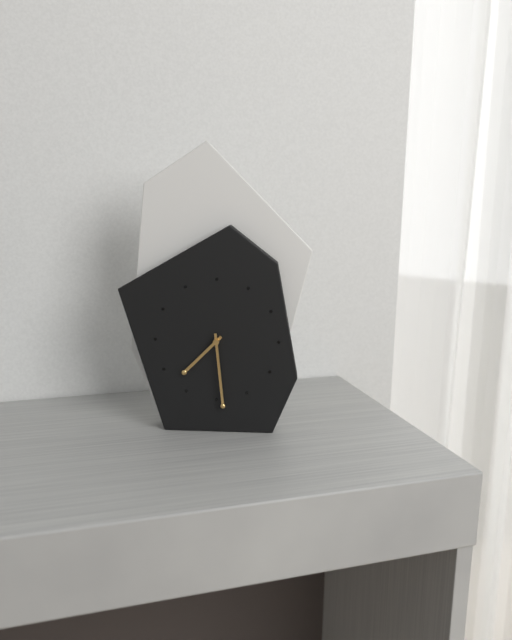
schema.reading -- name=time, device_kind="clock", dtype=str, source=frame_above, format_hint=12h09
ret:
7h29
